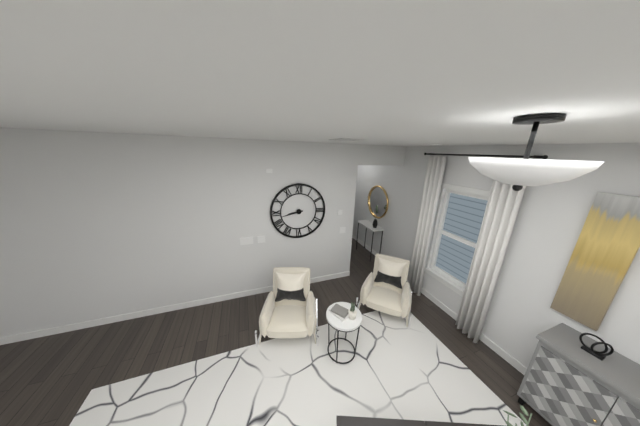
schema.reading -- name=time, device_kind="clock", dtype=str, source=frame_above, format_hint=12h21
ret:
8h43
